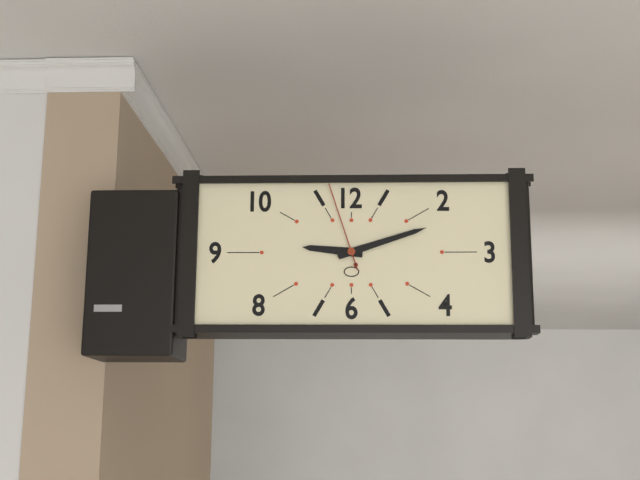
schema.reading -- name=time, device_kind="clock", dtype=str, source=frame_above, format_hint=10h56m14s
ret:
9h12m57s
